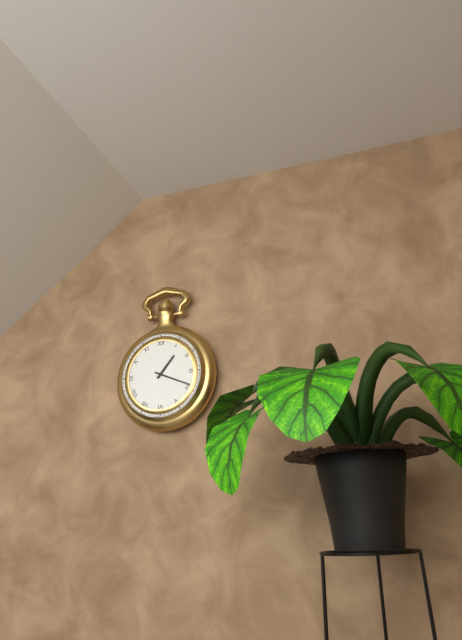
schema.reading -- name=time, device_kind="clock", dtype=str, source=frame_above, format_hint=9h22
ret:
1h19
